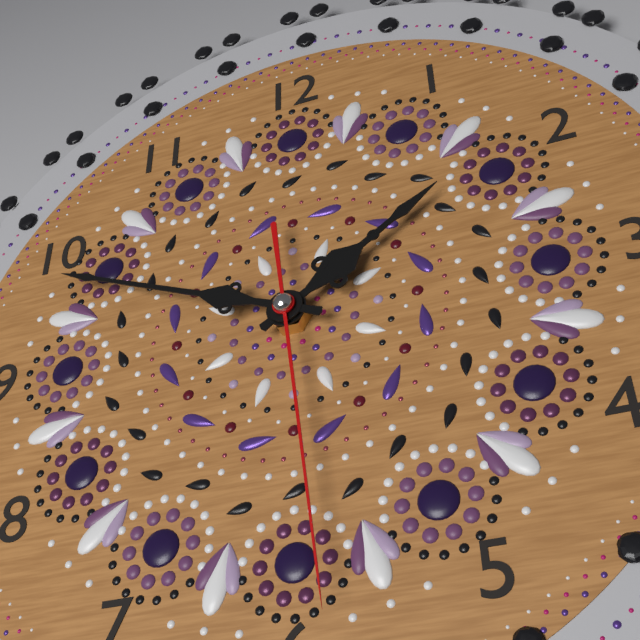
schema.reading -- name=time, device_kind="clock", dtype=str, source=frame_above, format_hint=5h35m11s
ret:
1h49m29s
